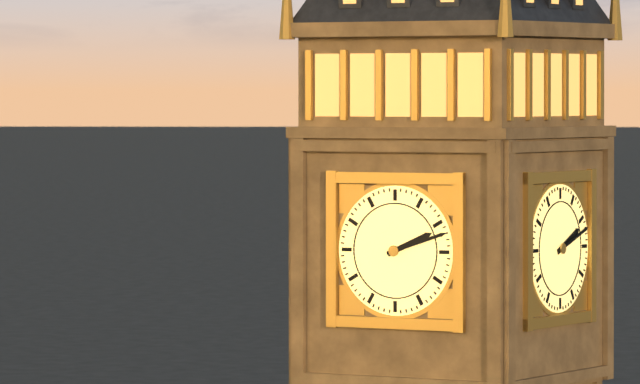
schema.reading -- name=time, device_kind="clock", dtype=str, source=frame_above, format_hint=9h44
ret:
2h12
